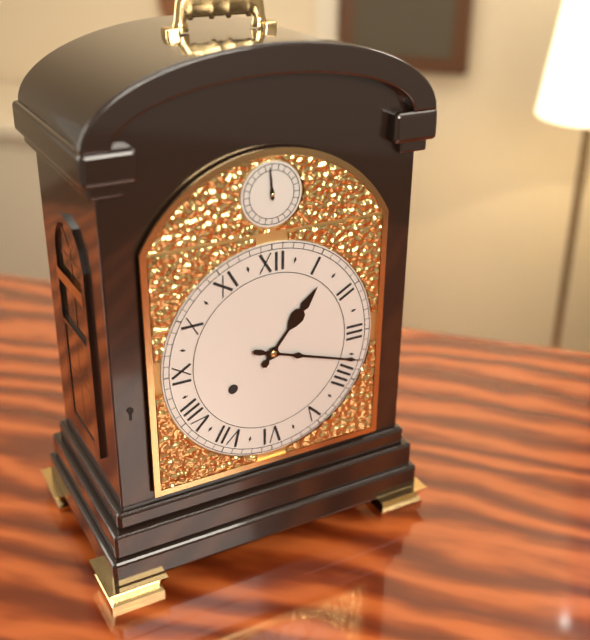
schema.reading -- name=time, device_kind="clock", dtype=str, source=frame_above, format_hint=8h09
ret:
1h18
